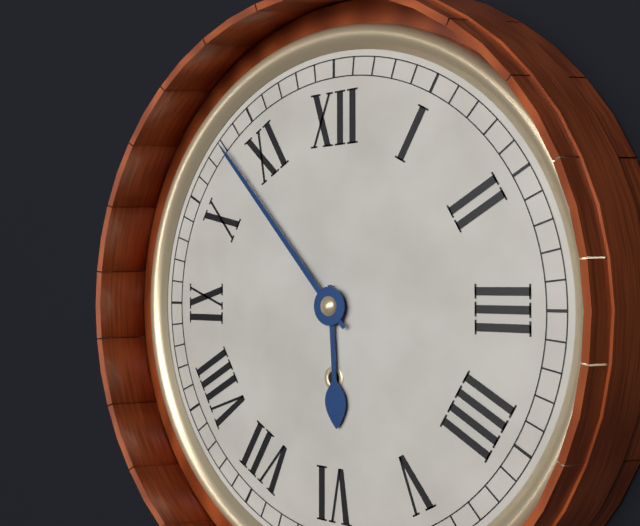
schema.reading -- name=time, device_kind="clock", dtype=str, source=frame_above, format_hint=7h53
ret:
5h53
